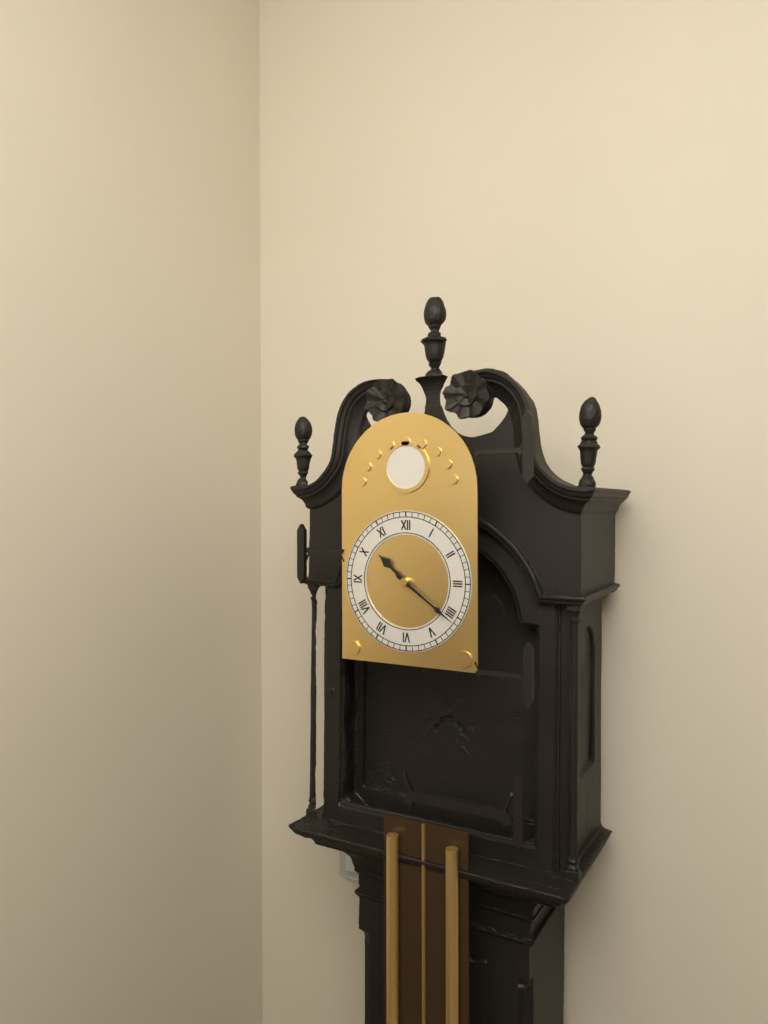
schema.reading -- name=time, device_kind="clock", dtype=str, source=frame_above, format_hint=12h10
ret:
10h21
